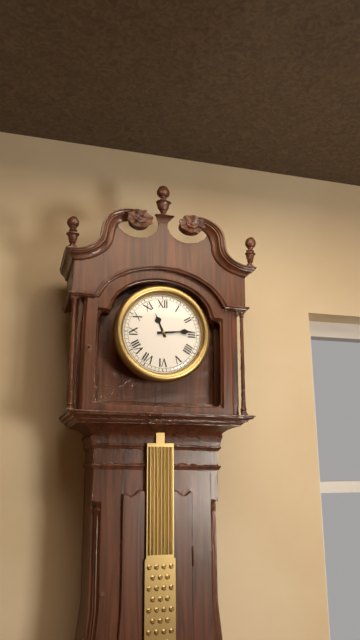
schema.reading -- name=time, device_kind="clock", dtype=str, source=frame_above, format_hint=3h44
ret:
11h14
